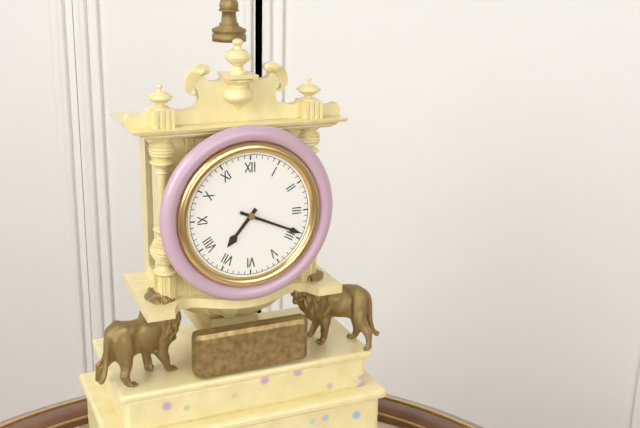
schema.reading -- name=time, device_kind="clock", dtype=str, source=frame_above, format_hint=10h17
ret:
7h19
